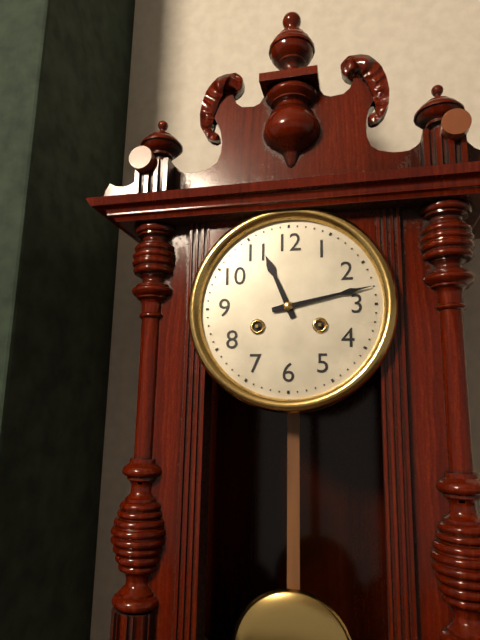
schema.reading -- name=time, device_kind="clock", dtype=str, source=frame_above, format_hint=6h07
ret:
11h13
